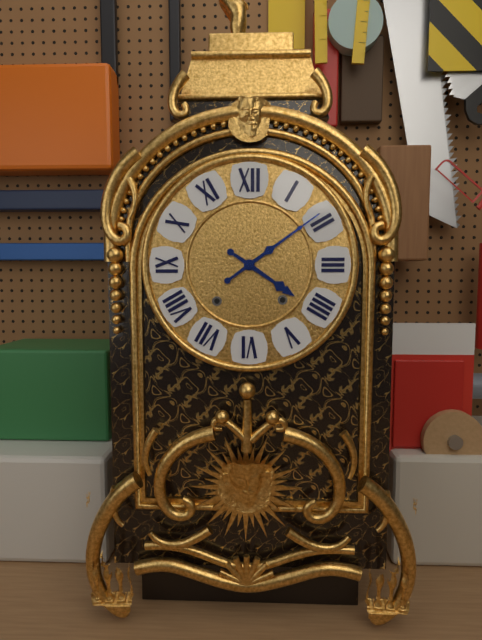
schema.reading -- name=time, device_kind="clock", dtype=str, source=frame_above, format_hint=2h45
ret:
4h09
